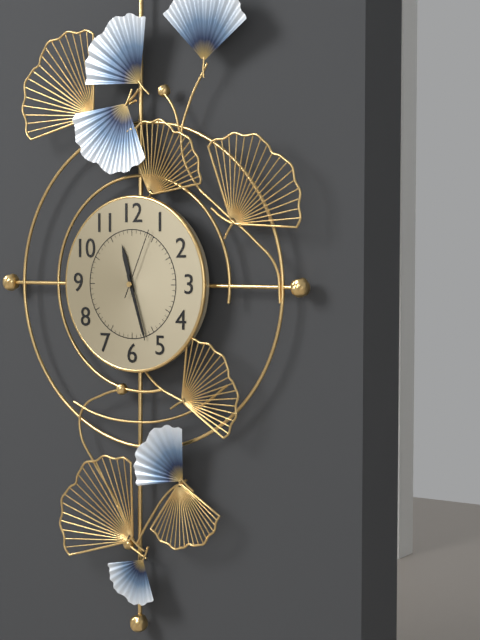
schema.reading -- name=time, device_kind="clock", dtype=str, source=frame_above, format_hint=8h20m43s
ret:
11h27m04s
